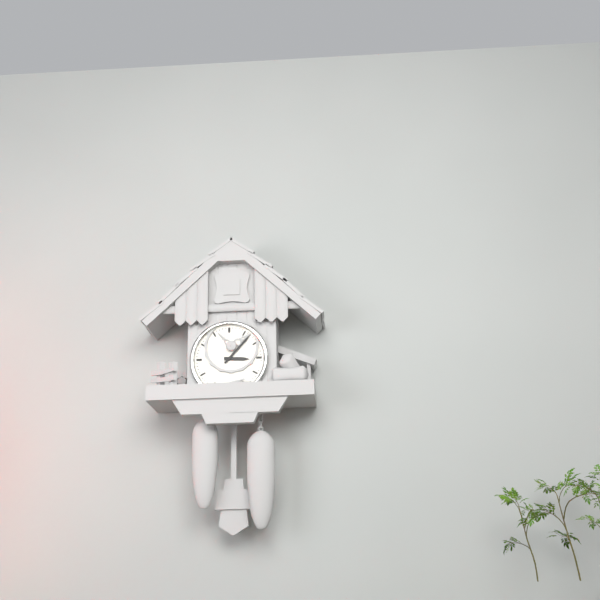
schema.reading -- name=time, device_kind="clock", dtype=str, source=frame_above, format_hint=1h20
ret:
3h07
